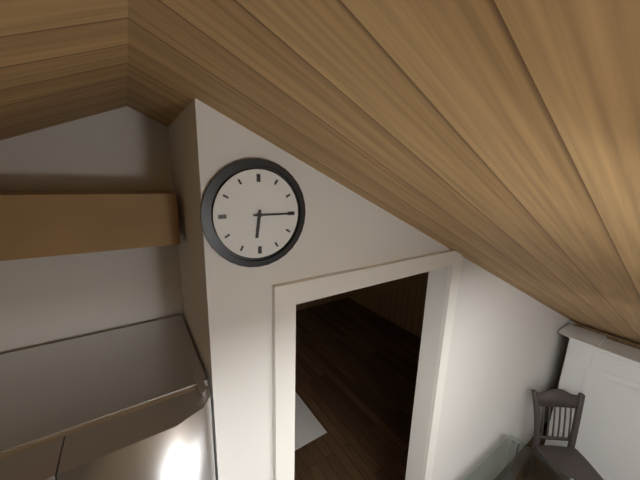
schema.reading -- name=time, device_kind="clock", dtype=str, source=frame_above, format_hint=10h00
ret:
6h15
